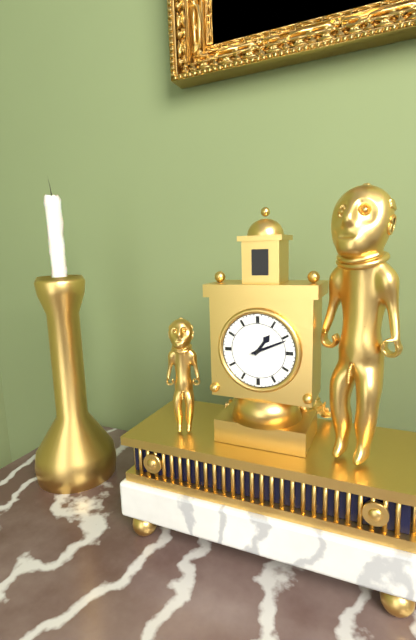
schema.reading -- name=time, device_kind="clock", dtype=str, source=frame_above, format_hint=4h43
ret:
1h11
